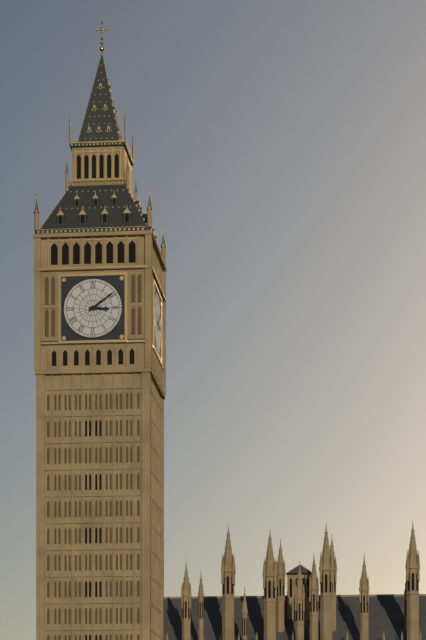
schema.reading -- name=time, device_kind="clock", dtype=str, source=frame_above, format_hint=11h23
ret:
3h09
